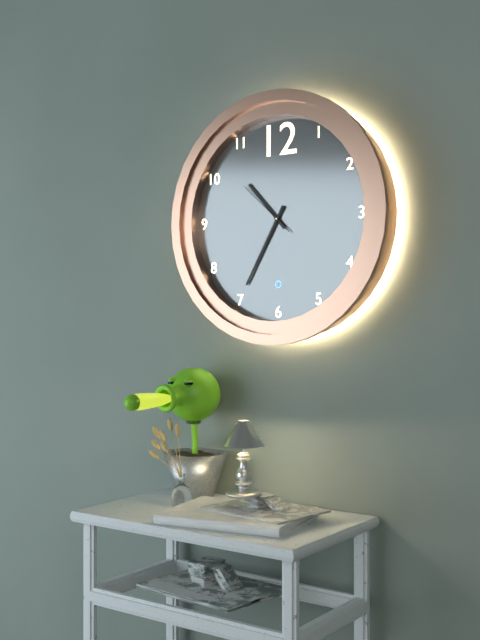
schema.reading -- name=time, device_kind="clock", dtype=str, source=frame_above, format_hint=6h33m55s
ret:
10h35m52s
